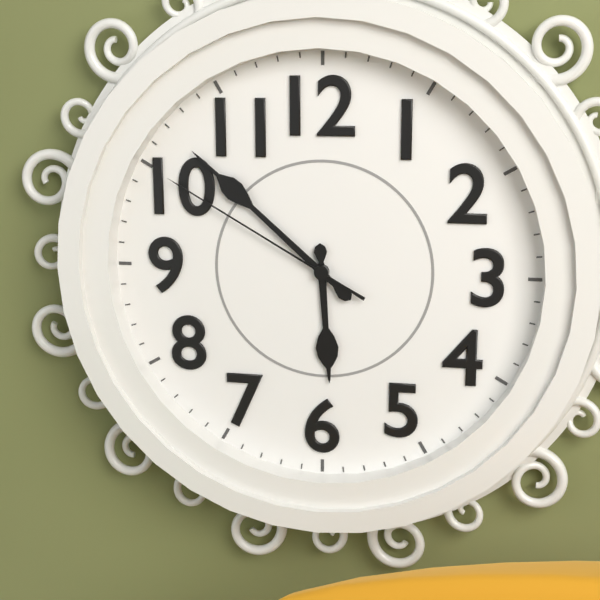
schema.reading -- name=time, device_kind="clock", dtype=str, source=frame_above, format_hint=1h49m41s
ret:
5h52m50s
